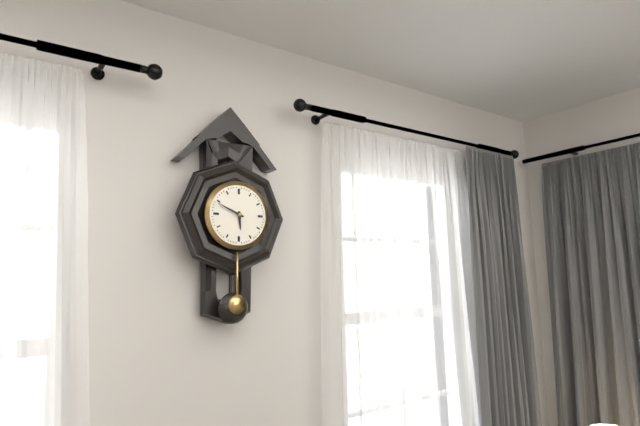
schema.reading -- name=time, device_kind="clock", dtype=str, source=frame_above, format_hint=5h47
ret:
5h49
